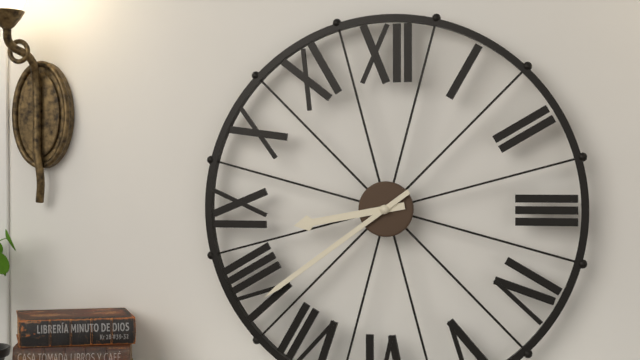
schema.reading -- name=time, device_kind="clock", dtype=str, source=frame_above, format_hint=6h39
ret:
8h39
